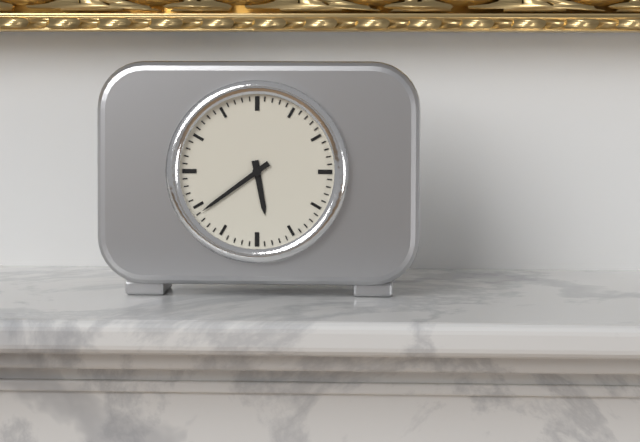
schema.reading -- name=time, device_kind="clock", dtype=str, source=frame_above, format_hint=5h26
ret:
5h39
